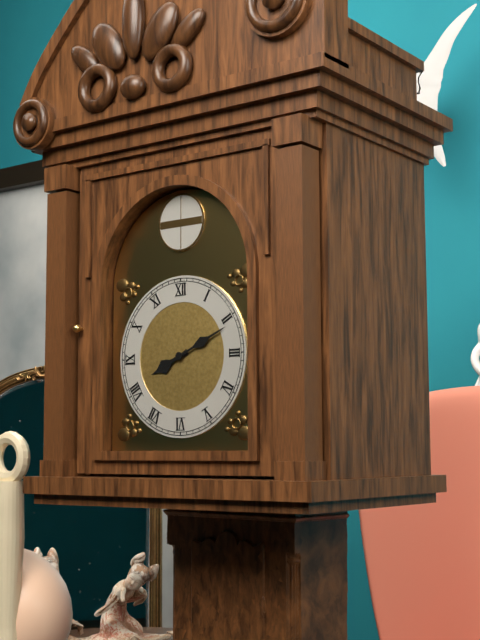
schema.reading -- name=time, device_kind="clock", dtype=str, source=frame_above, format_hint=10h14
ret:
8h11
